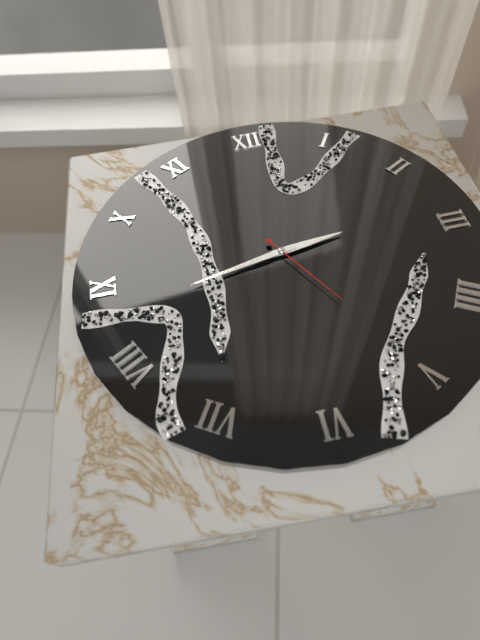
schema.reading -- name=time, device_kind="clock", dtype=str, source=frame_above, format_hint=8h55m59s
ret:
2h43m25s
